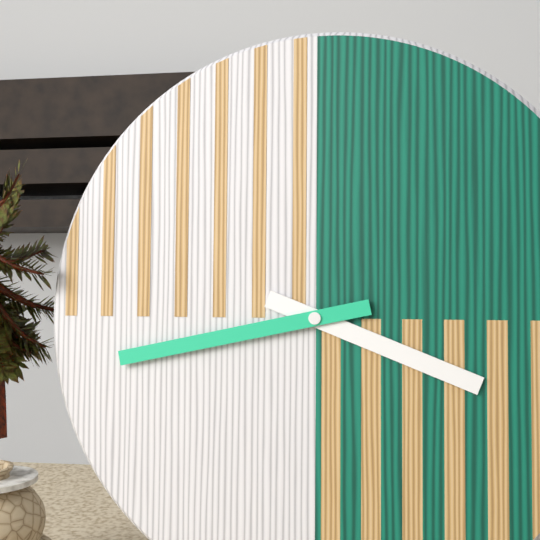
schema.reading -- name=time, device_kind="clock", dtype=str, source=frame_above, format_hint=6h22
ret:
3h43
